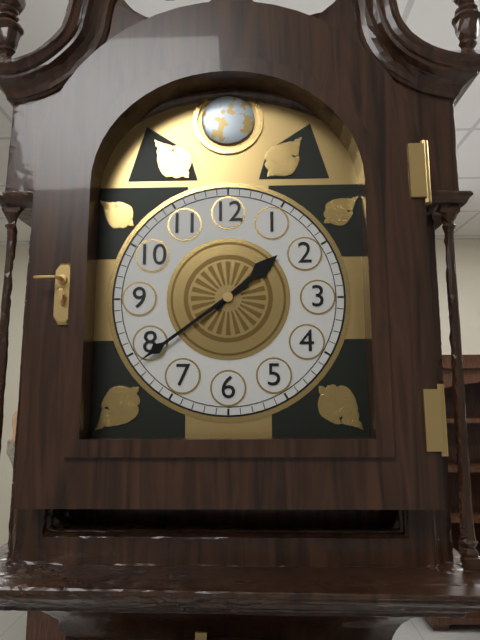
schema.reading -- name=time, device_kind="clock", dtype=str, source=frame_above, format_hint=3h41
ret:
1h39
